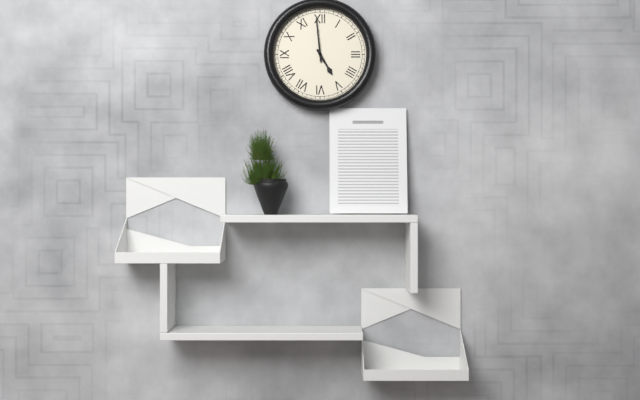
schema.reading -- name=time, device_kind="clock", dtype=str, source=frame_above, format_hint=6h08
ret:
4h59
